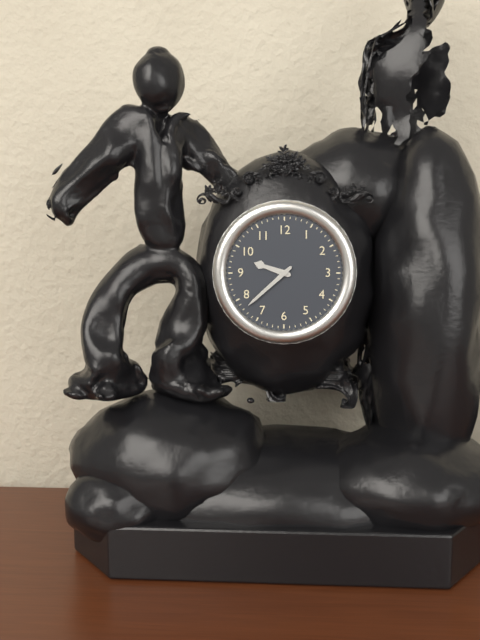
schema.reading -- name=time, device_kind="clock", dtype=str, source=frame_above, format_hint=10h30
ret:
9h38
